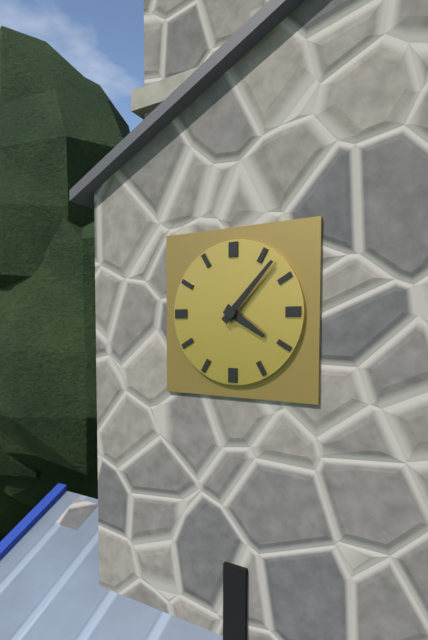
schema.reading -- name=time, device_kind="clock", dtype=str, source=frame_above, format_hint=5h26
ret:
4h07
